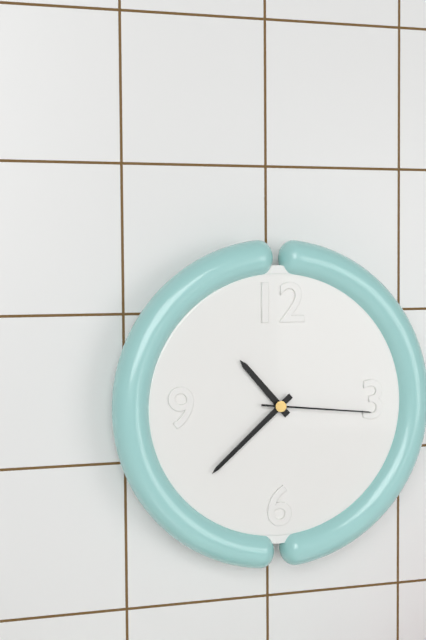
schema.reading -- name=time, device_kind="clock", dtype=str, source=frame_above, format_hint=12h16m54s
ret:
10h38m16s
